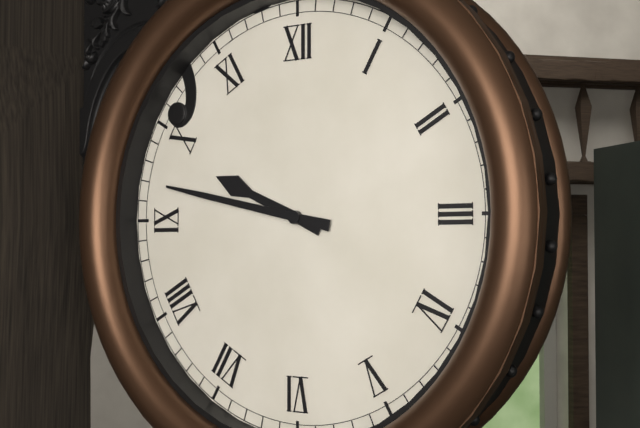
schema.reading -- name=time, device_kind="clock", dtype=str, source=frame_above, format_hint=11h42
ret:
9h47
